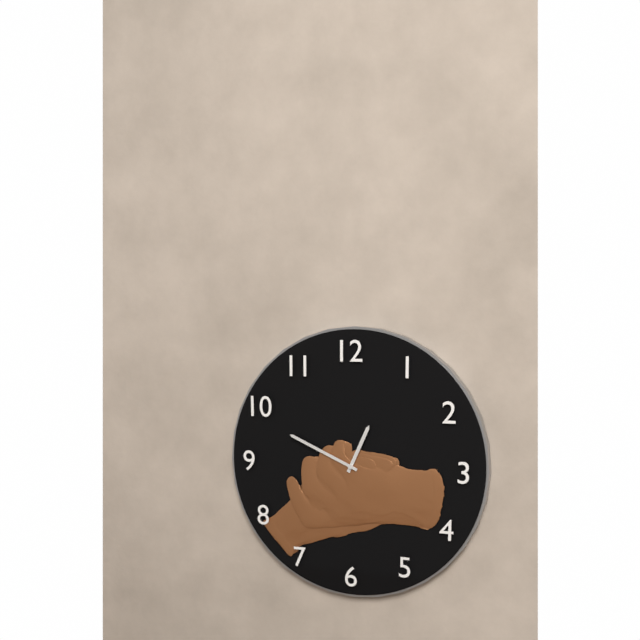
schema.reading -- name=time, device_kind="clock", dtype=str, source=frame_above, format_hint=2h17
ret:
12h49
